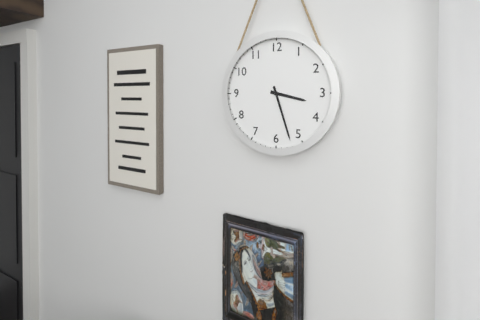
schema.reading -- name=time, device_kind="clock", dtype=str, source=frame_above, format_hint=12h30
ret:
3h27
